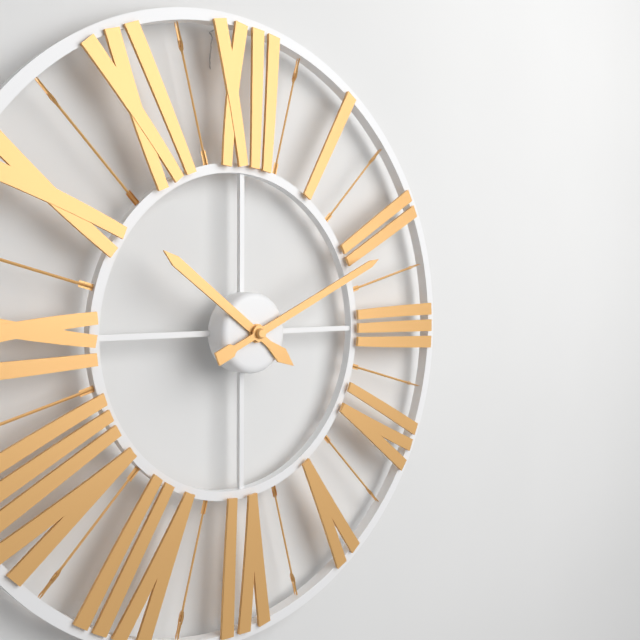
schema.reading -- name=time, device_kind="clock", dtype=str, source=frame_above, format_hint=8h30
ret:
10h11
